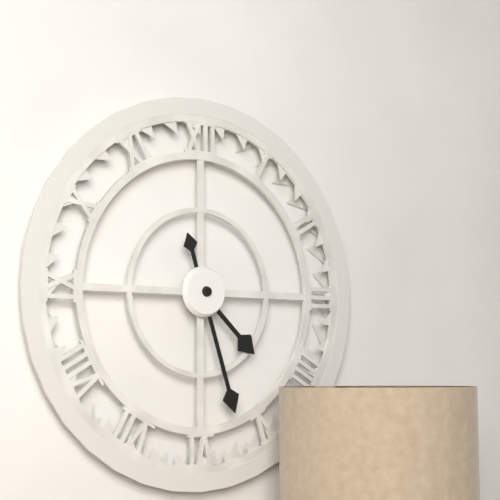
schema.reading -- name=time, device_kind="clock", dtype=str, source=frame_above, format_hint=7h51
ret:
4h27
